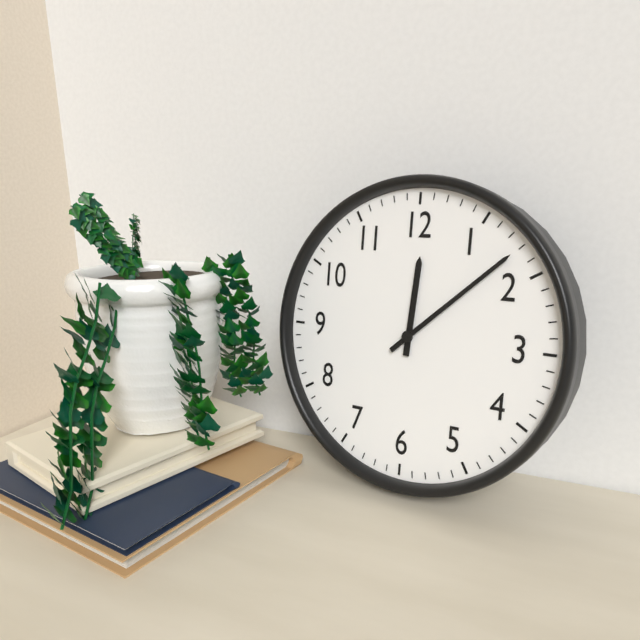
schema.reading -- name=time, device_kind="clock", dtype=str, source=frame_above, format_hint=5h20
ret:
12h08
